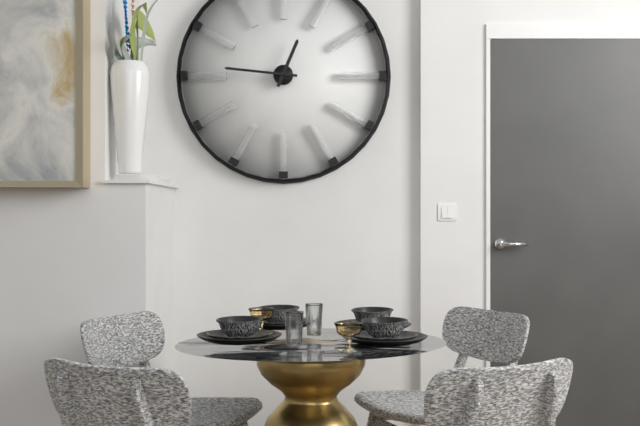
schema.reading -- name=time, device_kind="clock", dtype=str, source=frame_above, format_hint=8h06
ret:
12h46
